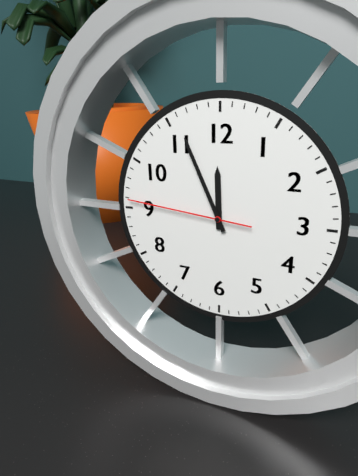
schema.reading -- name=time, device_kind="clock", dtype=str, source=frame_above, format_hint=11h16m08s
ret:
11h56m46s
